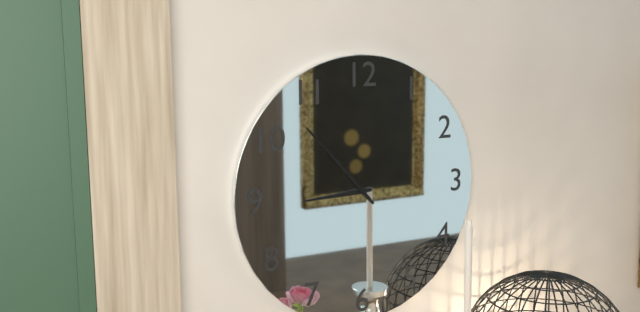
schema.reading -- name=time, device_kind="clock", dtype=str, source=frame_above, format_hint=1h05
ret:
8h53
